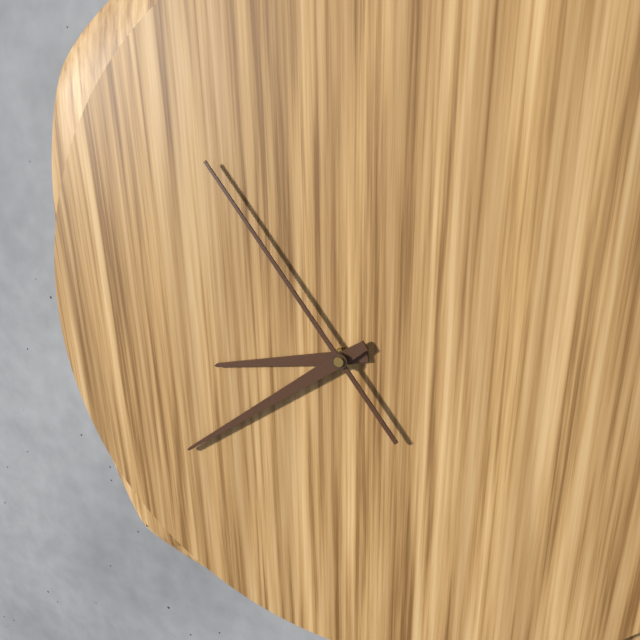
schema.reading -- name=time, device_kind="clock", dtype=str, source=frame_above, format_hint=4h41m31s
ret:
8h39m54s
